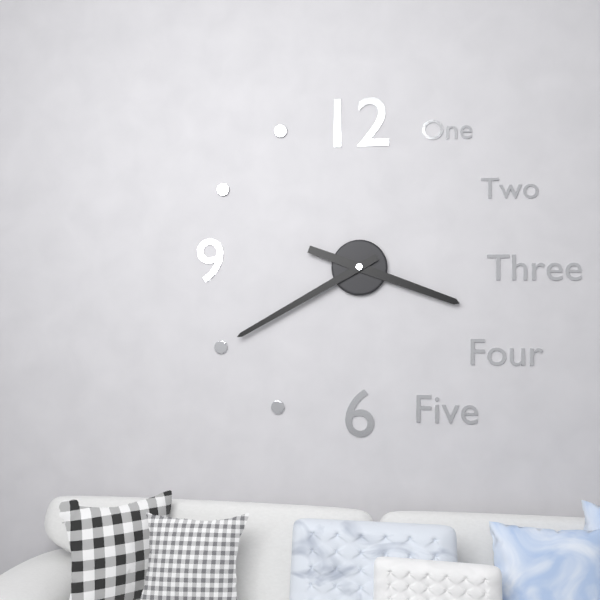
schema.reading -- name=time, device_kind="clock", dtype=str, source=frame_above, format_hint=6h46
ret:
3h40
